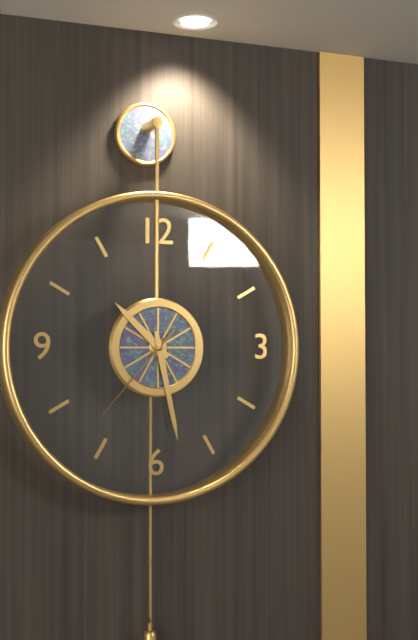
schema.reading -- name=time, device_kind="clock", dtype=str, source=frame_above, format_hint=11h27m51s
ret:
10h28m37s
